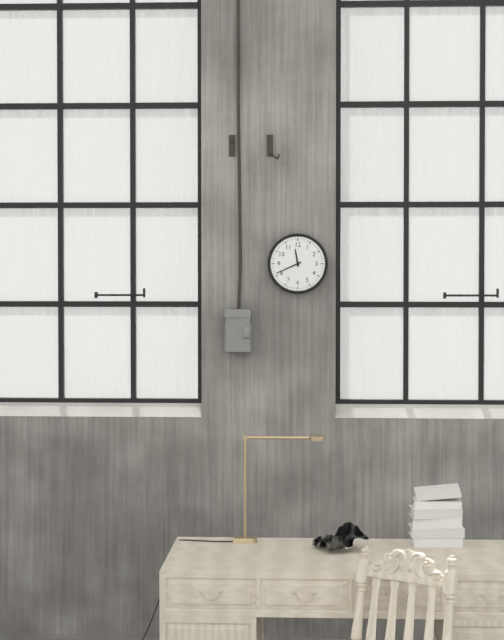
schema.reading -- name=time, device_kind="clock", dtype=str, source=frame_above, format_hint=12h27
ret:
11h41
